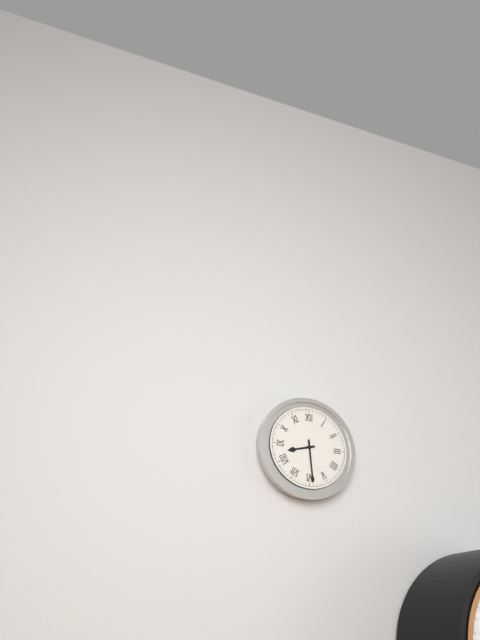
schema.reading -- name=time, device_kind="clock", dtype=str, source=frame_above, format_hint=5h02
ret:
8h29
